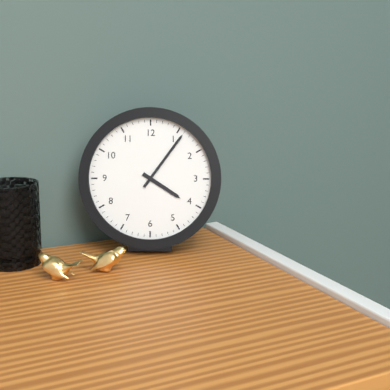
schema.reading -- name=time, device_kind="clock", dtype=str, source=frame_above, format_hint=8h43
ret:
4h06
